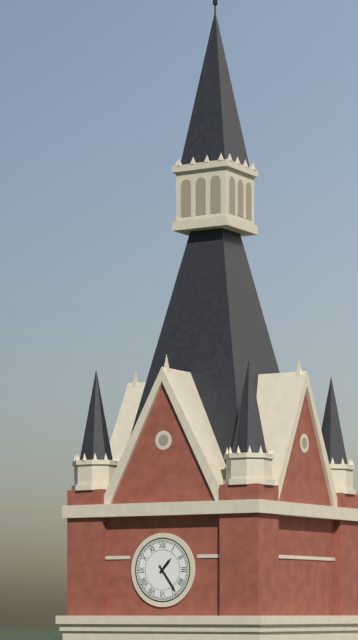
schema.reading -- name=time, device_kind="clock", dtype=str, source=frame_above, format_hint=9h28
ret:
1h24
